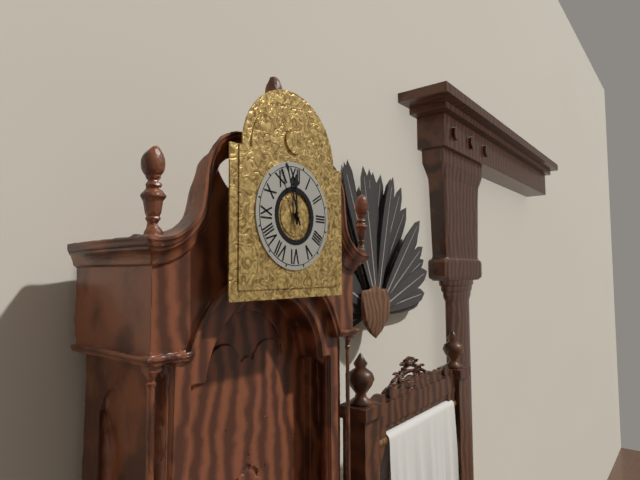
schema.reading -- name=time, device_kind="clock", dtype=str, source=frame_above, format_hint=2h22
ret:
11h57
